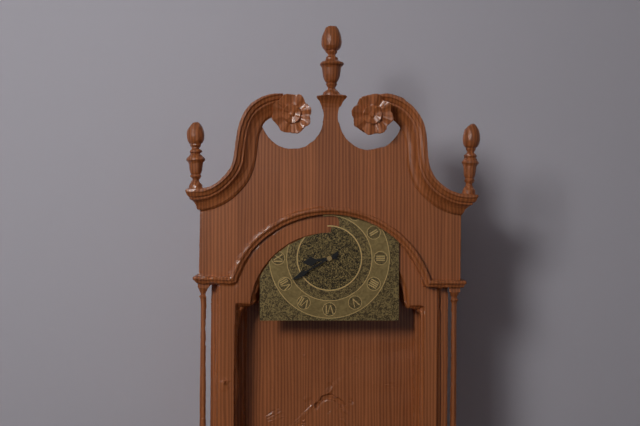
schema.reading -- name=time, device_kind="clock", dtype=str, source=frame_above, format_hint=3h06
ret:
8h40
